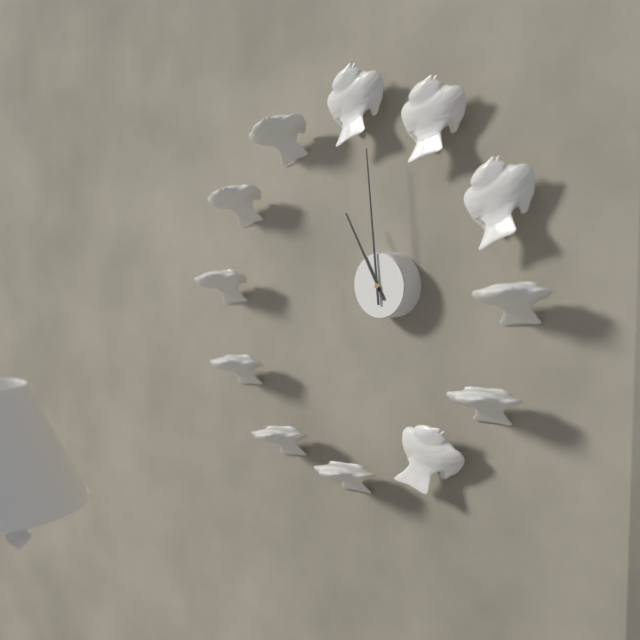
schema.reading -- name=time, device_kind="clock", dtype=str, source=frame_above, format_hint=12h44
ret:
10h59
